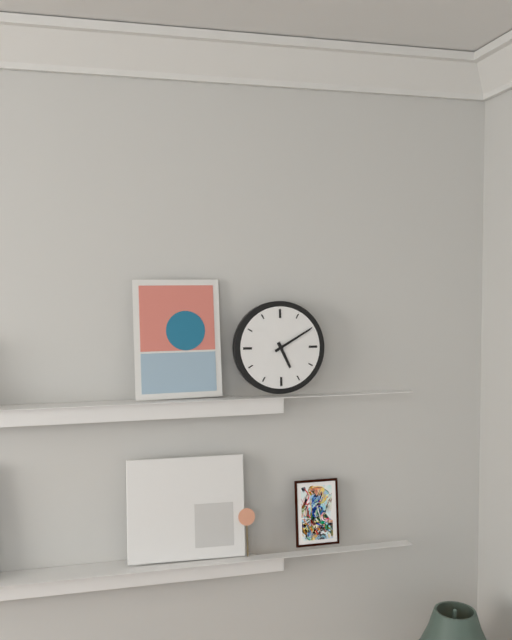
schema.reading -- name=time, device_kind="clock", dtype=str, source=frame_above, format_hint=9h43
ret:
5h10
